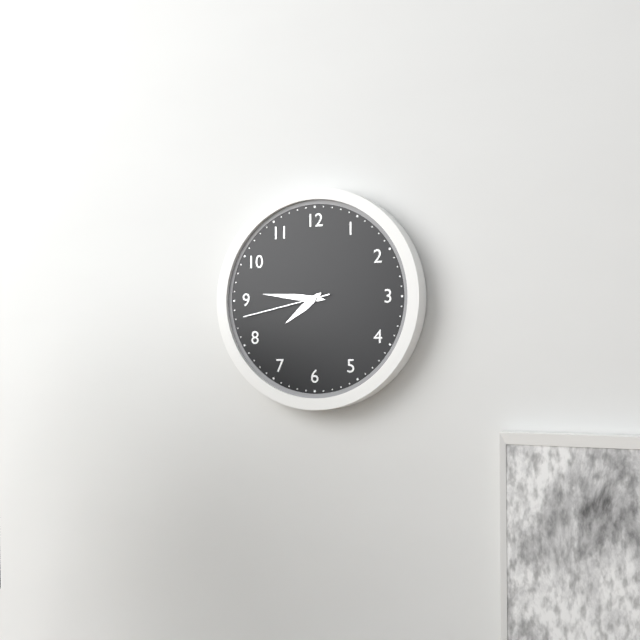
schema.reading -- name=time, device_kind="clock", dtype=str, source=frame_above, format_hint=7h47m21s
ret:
7h46m43s
